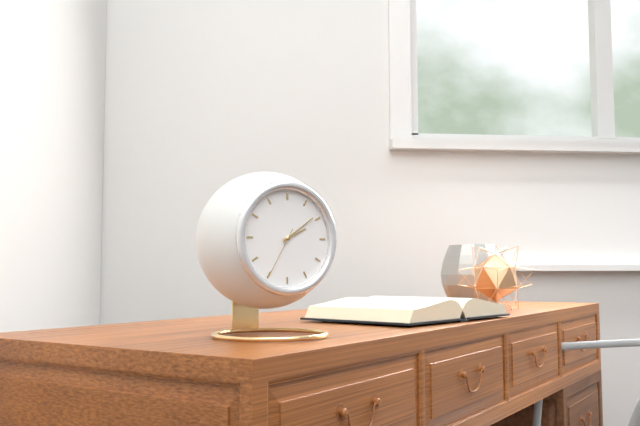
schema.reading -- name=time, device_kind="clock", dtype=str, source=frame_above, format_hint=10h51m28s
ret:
2h09m35s
